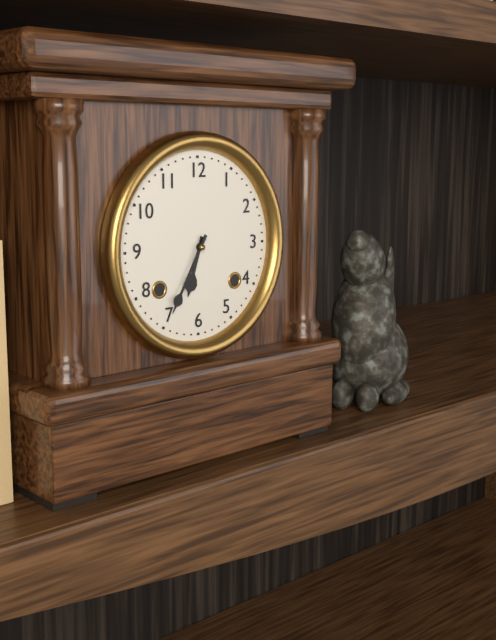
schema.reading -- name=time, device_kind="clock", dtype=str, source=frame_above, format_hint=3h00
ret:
6h35
